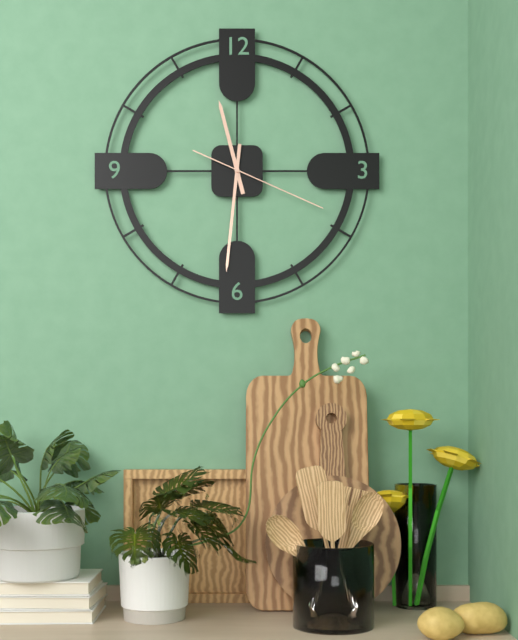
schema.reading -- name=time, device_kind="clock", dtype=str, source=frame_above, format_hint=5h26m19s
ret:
11h31m19s
